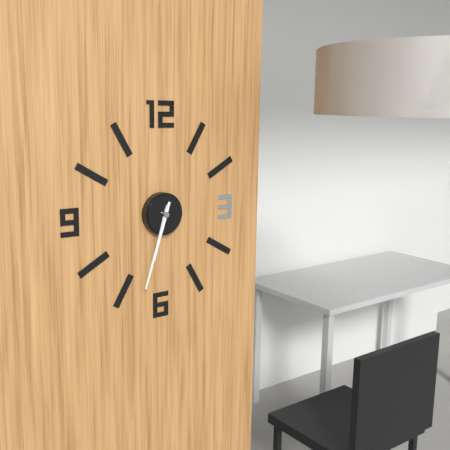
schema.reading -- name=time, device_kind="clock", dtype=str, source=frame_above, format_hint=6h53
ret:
6h33
